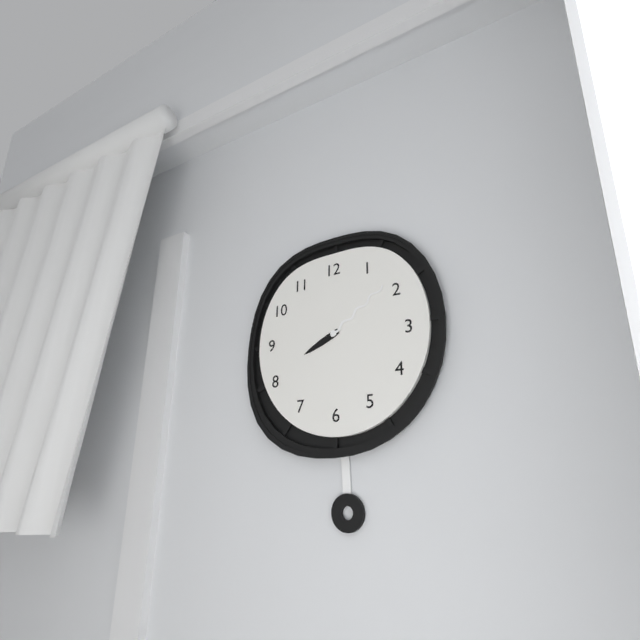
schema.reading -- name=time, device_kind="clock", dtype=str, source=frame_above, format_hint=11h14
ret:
8h09
